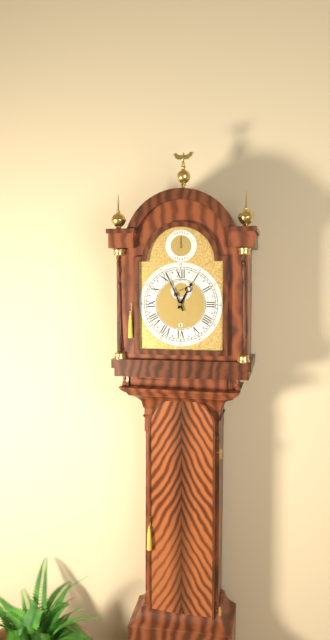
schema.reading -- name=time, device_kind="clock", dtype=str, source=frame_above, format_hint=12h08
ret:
12h56
